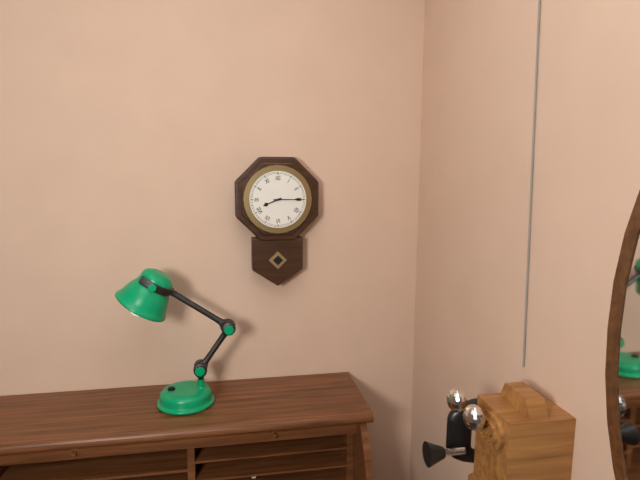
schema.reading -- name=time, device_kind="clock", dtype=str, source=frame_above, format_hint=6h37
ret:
8h15
